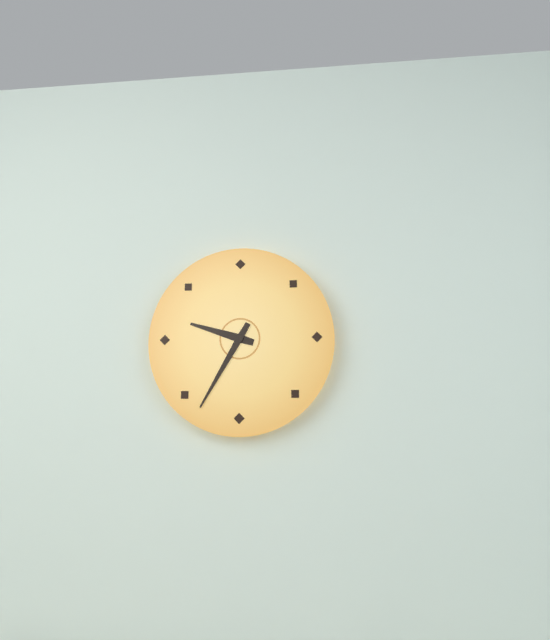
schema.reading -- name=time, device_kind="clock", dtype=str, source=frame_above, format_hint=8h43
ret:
9h35
